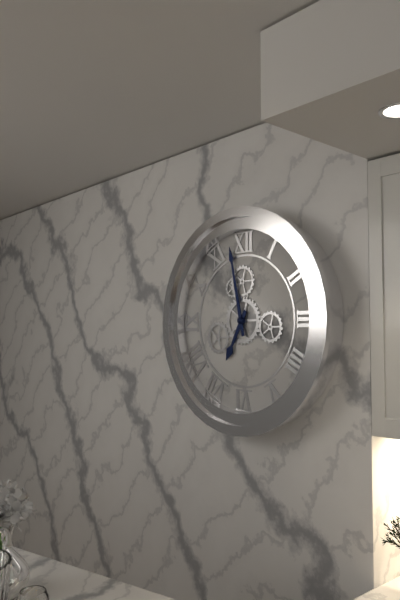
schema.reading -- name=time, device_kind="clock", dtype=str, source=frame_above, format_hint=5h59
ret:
6h58
